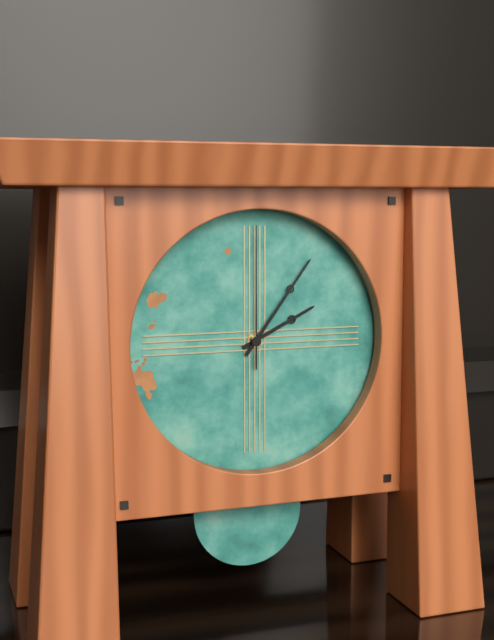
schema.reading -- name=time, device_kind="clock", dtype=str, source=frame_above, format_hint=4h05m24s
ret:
2h06m00s
